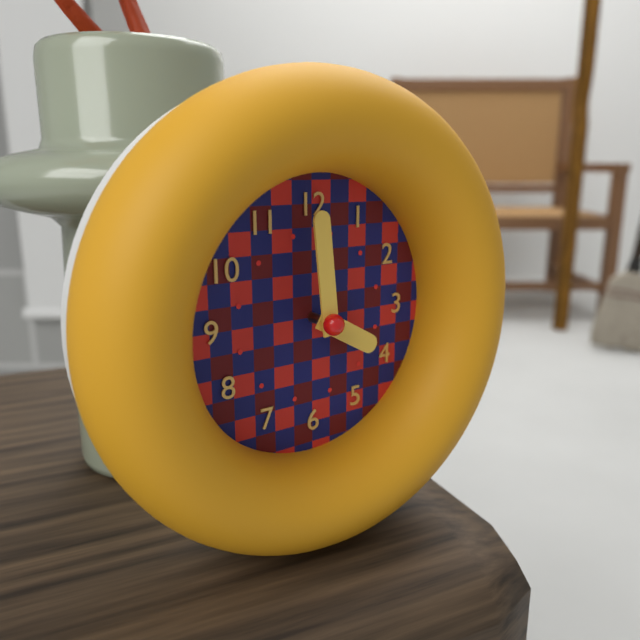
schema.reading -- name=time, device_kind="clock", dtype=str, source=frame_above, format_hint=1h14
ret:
3h59
